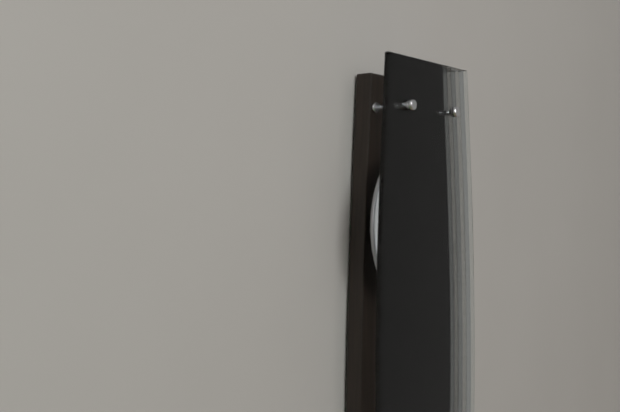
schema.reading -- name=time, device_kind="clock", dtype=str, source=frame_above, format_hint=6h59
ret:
9h25
